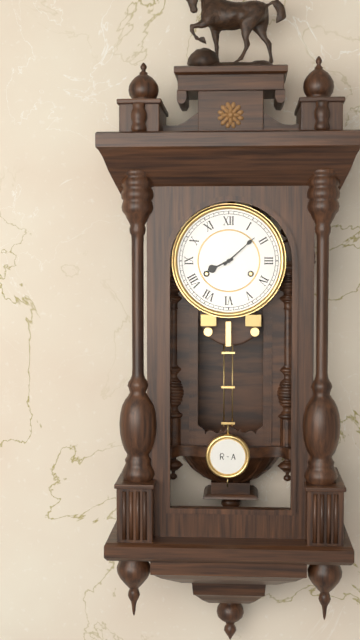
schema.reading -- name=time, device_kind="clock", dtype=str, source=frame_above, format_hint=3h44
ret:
8h08
